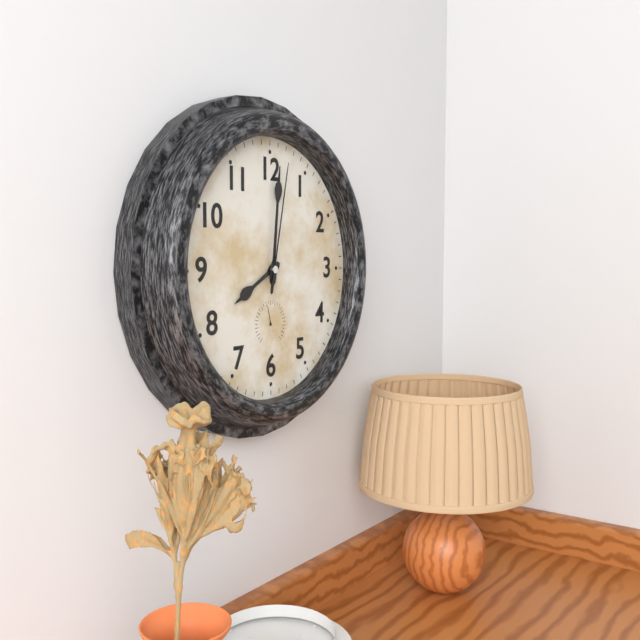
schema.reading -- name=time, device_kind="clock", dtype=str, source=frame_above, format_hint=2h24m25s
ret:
8h01m02s
